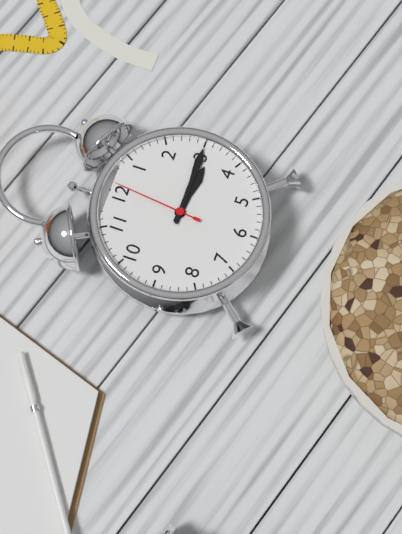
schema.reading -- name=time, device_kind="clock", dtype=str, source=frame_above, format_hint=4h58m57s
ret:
3h15m01s
